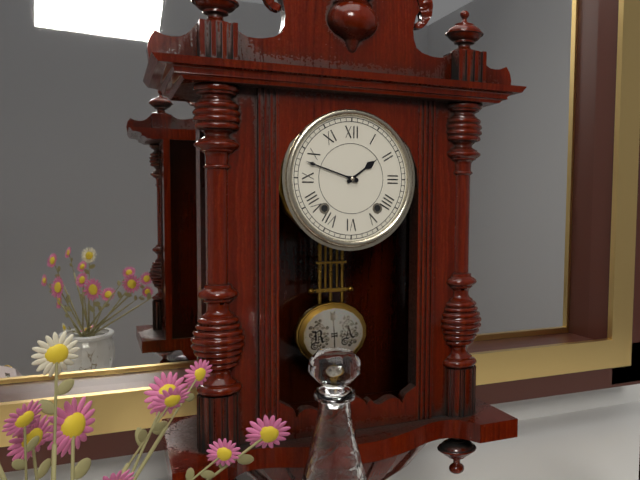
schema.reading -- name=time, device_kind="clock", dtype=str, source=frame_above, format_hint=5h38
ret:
1h48
